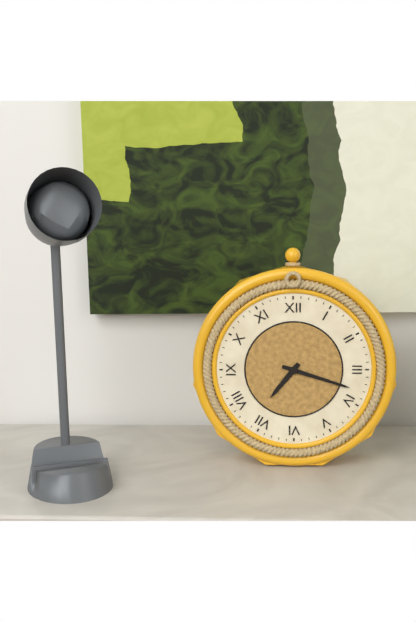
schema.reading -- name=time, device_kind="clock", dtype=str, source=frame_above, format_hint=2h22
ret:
7h18
